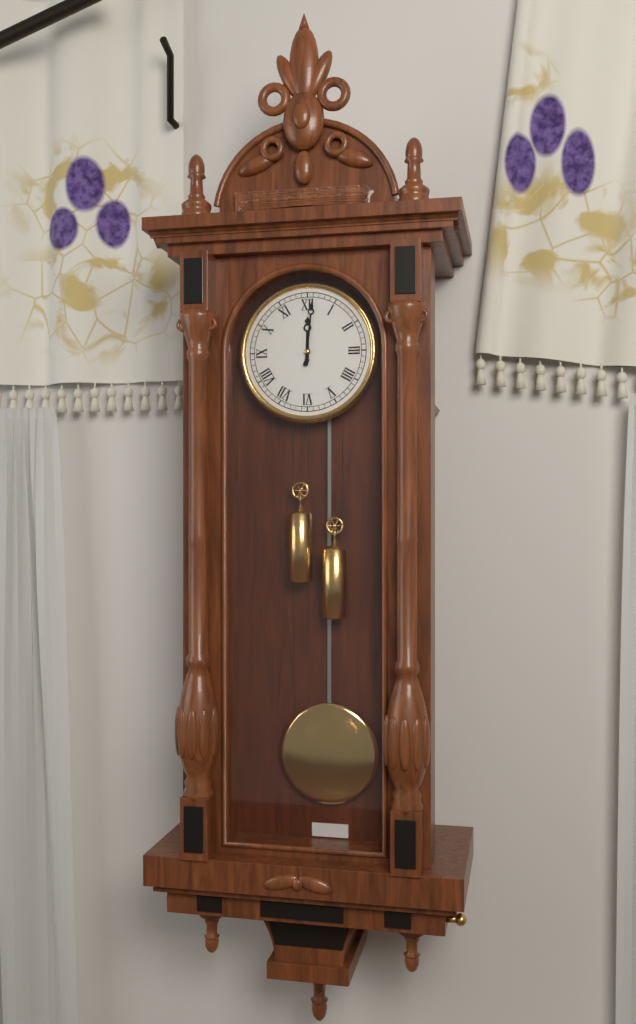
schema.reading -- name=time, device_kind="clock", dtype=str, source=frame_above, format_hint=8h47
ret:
12h01
